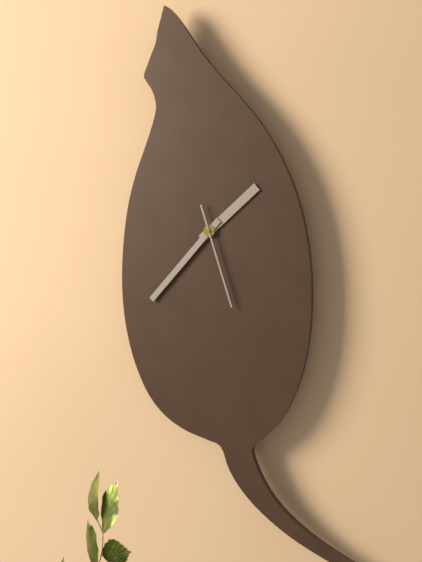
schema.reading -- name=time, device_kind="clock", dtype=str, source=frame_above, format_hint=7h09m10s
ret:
1h37m27s
